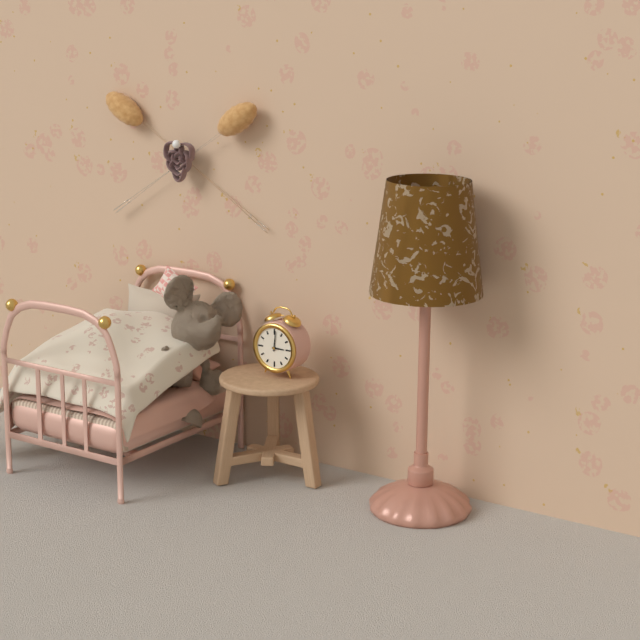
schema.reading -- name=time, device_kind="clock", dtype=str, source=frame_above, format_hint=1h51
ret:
3h01
